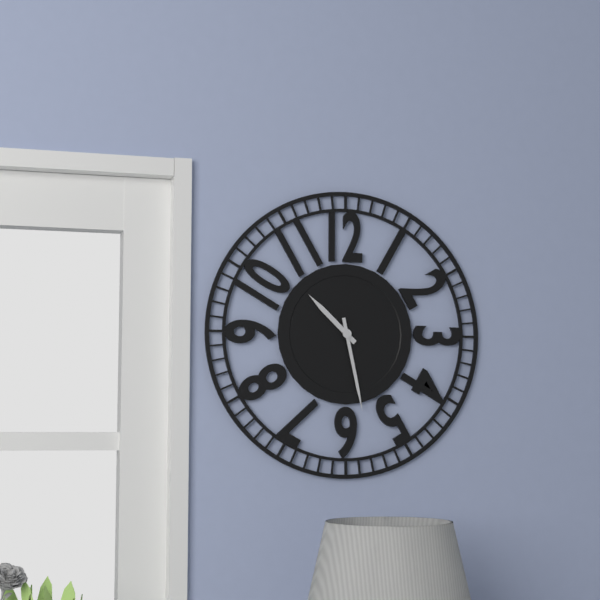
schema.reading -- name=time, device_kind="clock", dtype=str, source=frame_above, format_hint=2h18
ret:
10h28
